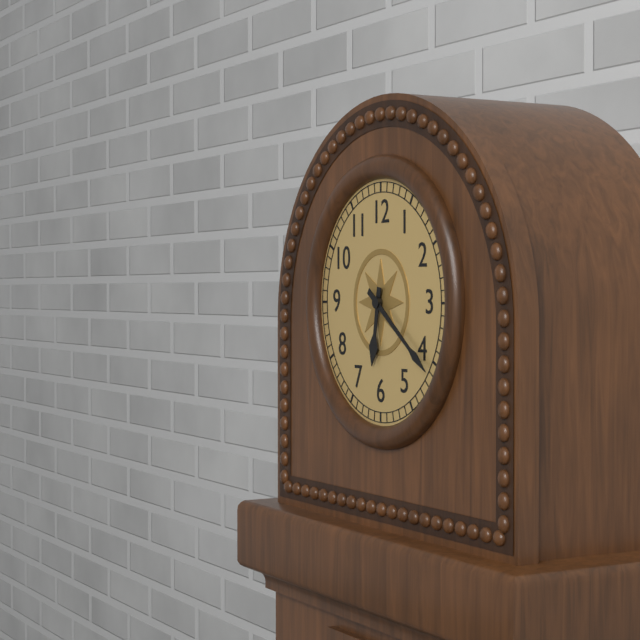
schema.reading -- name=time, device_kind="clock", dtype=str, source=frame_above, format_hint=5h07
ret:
6h21
